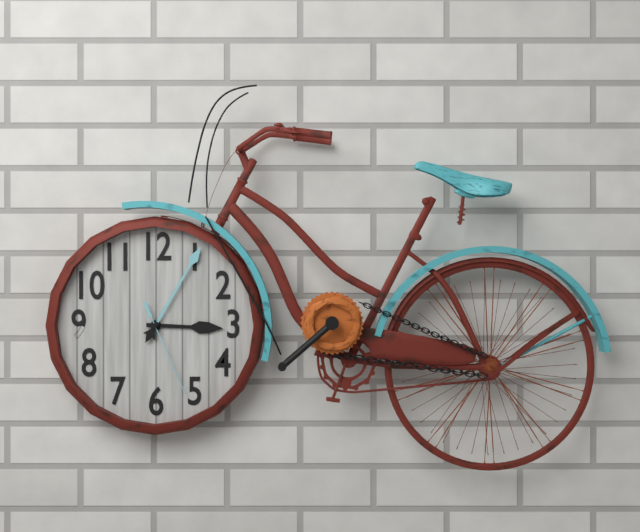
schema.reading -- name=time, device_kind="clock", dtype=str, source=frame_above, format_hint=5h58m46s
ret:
3h05m26s
